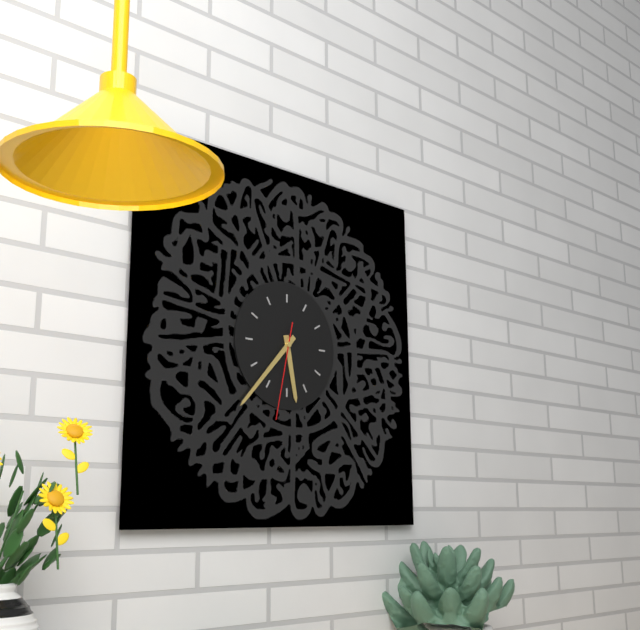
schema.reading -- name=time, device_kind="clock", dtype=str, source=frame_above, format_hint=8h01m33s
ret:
5h37m32s
